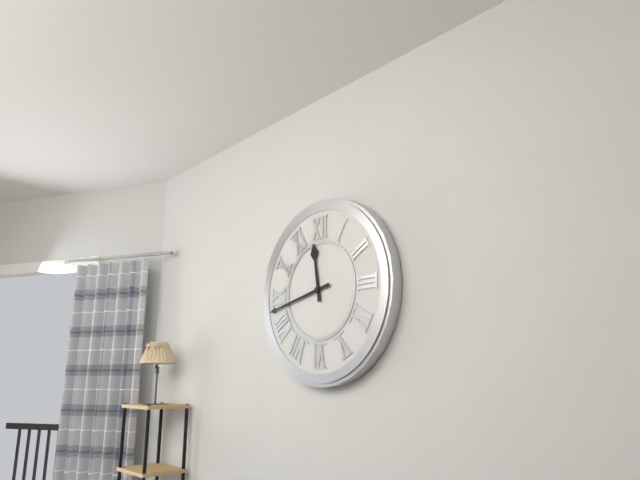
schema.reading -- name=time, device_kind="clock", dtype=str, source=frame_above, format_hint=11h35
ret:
11h43
